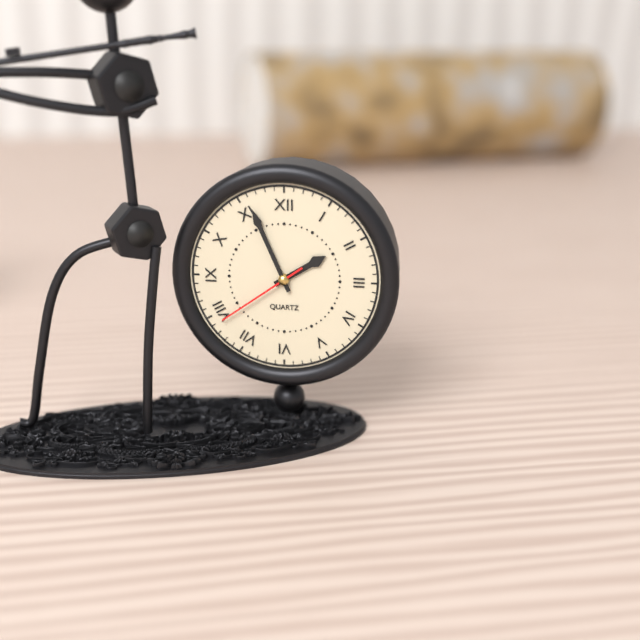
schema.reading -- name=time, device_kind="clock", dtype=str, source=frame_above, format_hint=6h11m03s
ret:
1h56m39s
